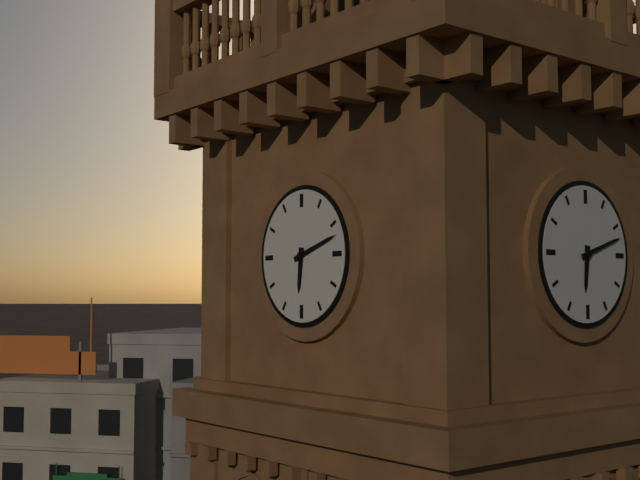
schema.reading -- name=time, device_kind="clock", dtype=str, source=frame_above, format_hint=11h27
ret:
6h12
